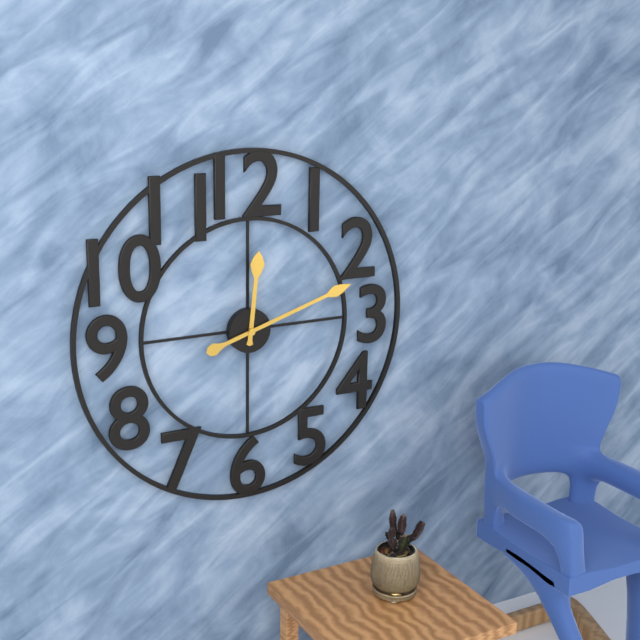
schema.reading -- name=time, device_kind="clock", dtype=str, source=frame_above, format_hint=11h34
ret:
12h12
